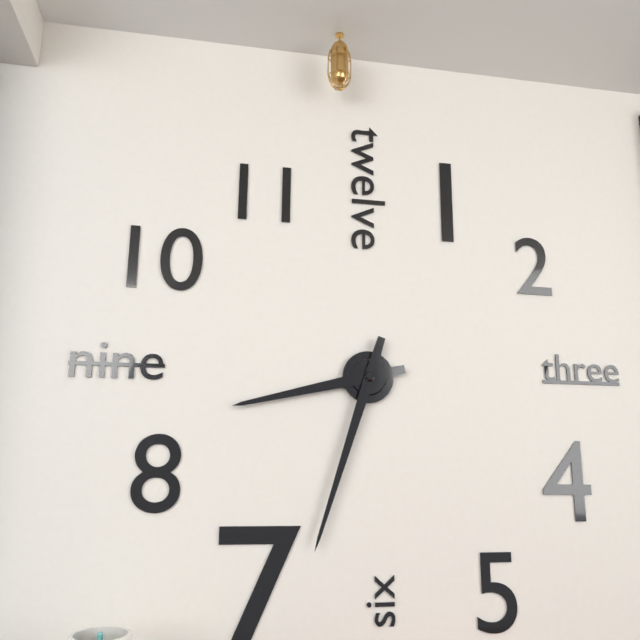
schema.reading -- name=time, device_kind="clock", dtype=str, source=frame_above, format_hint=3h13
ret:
8h33
